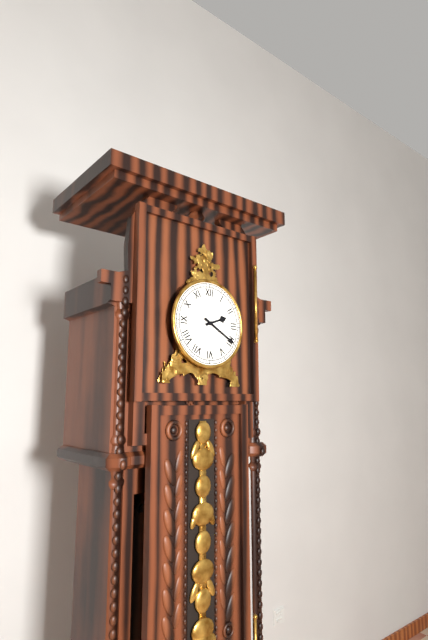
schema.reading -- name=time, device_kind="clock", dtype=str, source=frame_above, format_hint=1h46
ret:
2h20
